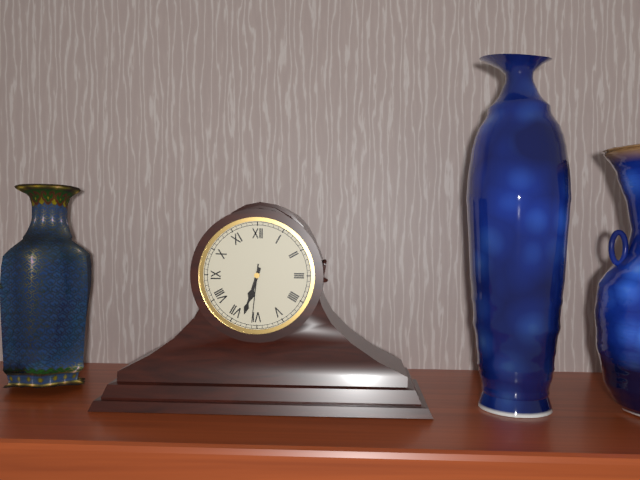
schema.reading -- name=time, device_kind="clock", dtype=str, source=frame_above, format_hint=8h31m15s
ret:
6h33m31s
